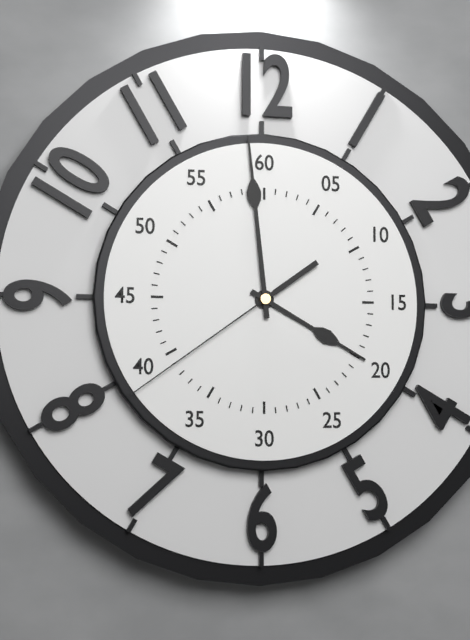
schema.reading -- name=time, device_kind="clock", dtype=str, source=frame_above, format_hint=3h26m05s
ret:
3h59m39s
